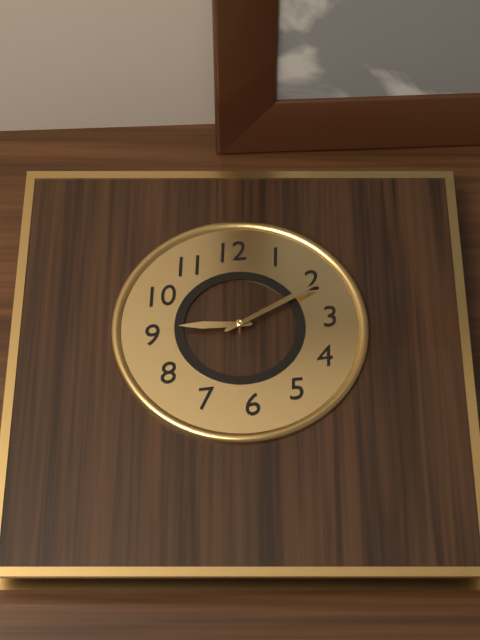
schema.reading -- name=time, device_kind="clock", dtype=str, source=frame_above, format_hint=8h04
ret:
9h11
